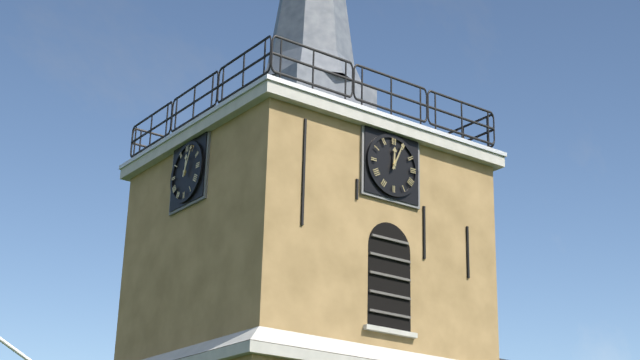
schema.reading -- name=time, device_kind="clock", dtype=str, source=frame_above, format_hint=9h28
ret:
12h04
